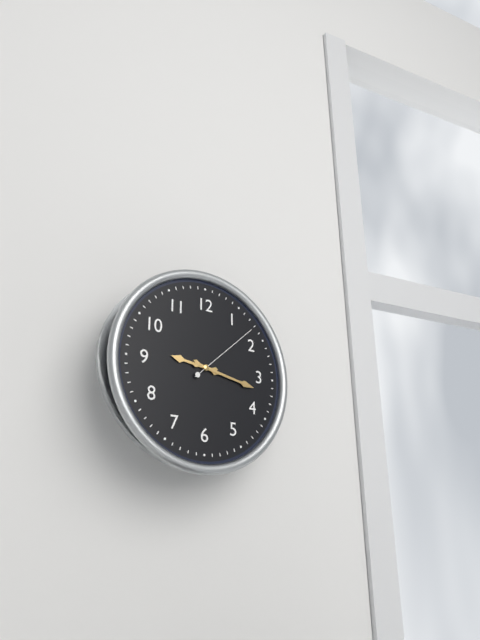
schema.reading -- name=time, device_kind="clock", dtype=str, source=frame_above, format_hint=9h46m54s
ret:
9h17m08s
